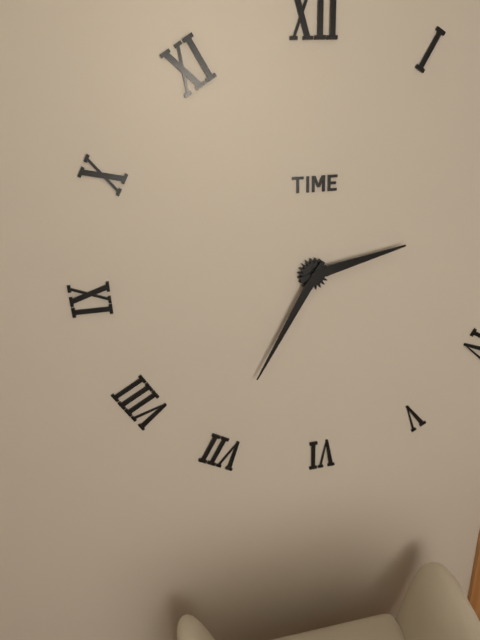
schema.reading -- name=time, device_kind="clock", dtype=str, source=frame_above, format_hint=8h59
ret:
2h35
